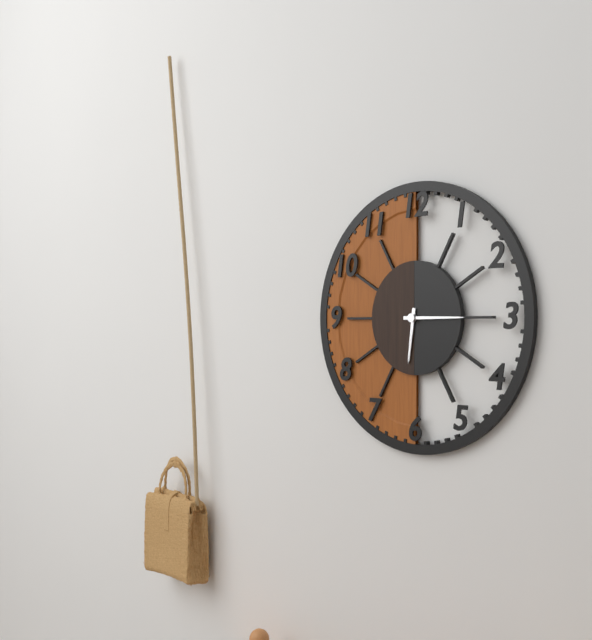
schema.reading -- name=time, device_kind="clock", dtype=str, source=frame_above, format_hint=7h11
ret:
6h15
